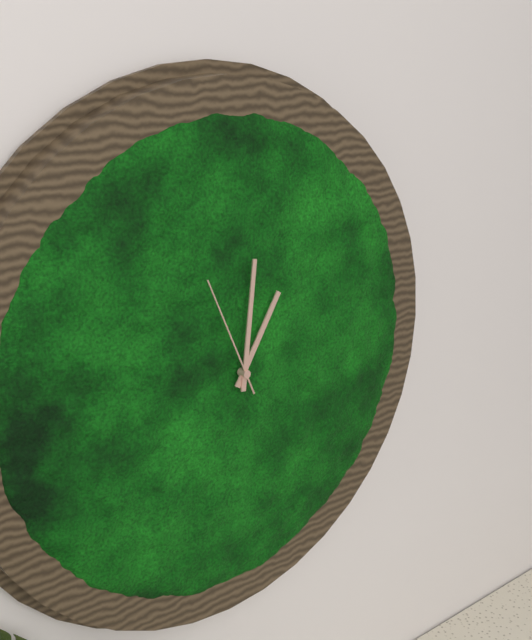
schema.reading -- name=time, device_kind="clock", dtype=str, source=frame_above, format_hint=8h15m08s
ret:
1h01m56s
